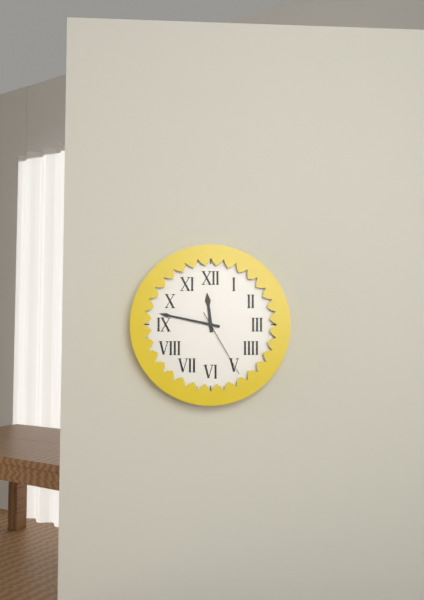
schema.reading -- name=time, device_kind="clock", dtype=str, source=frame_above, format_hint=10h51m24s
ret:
11h47m25s
